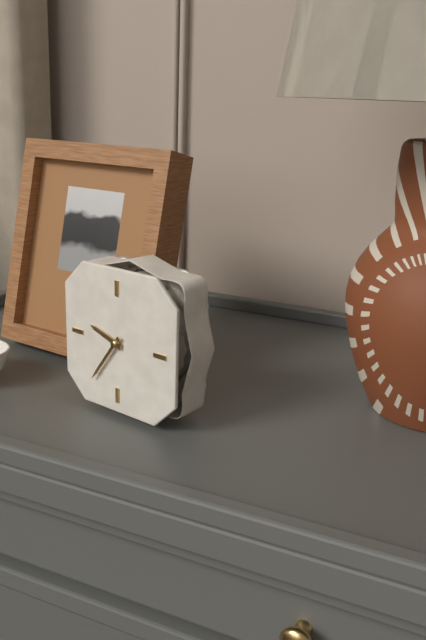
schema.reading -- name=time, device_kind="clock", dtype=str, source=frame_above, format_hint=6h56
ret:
9h36
